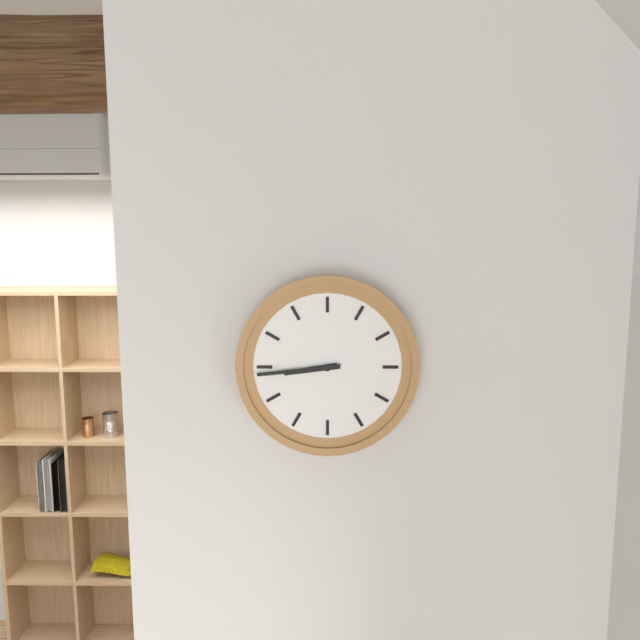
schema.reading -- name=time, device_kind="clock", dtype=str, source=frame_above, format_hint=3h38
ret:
8h44
